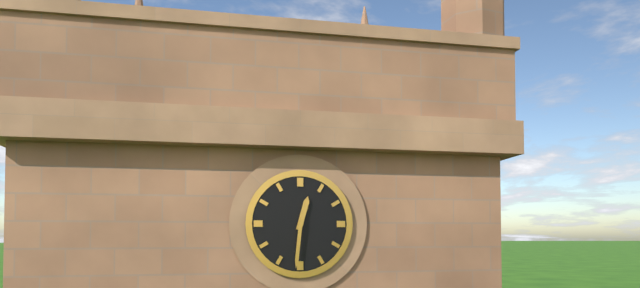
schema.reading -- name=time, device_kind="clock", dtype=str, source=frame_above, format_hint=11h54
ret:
12h31
